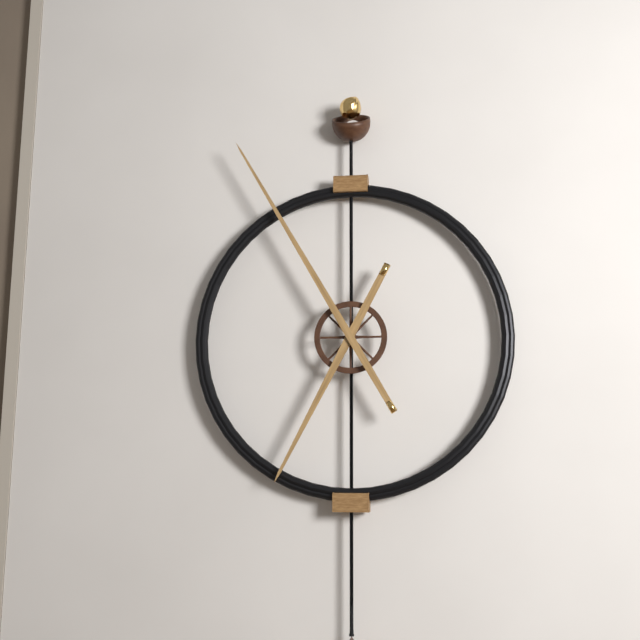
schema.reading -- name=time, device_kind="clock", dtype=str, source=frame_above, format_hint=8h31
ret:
6h55
